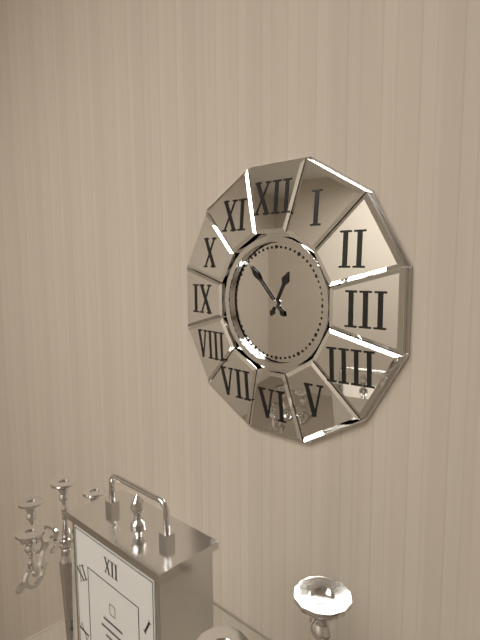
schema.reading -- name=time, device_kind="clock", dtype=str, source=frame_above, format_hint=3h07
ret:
12h53
